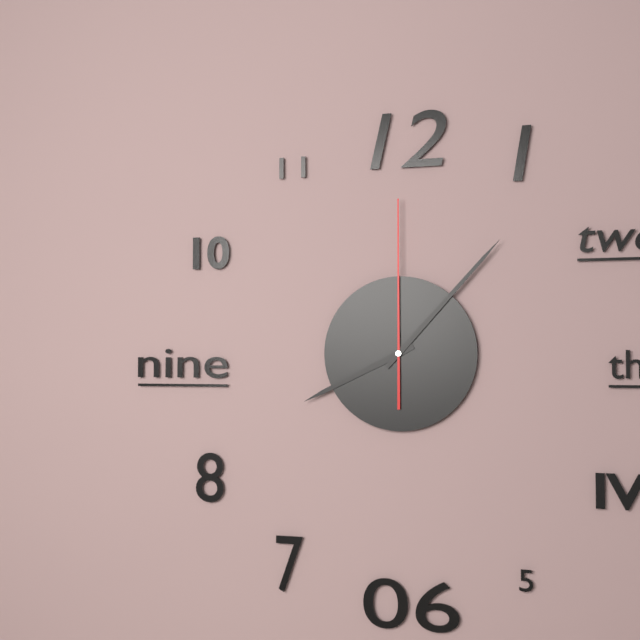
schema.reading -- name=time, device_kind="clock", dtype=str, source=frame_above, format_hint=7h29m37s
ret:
8h07m00s
